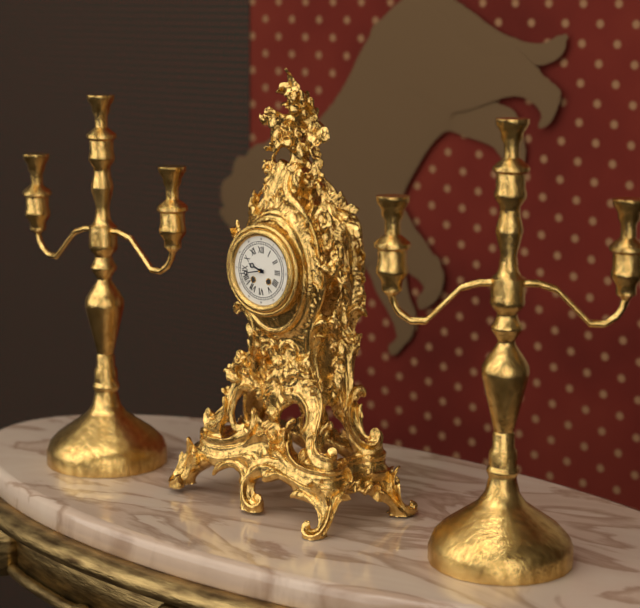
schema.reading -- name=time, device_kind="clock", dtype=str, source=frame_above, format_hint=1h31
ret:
9h43
